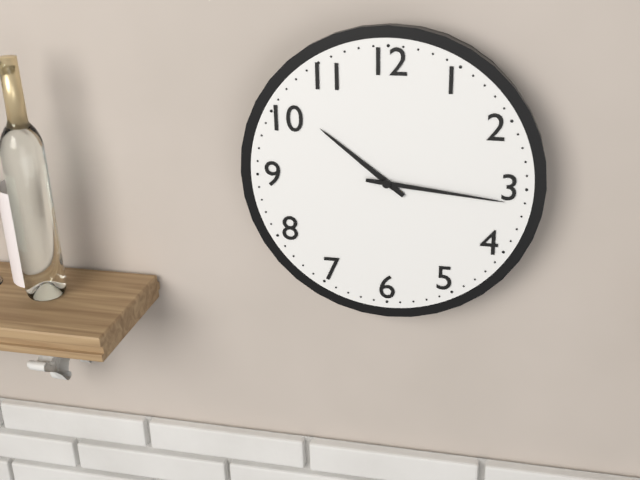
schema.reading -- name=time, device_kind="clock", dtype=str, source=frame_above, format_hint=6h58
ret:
10h16
